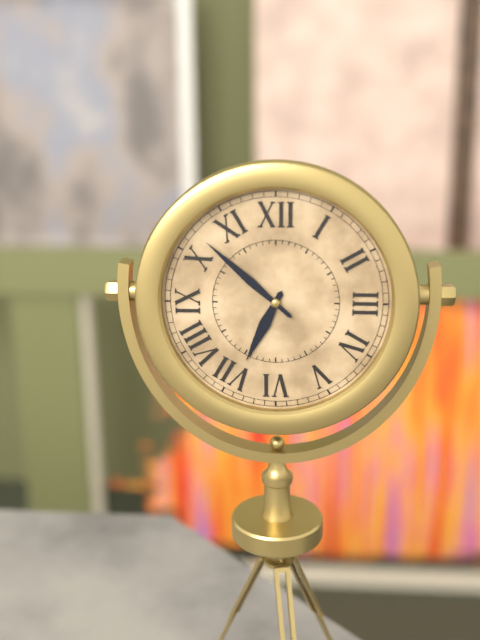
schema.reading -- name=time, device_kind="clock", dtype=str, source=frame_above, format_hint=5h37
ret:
6h52
